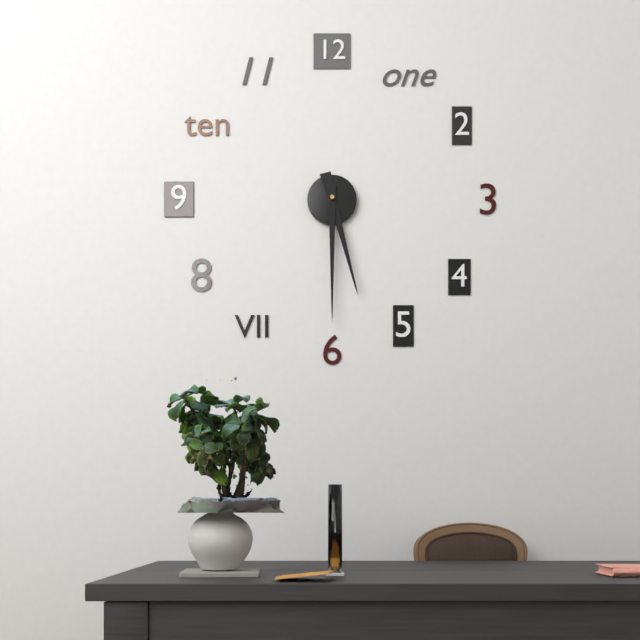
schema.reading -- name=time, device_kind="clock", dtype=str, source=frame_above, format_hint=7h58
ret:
5h30
